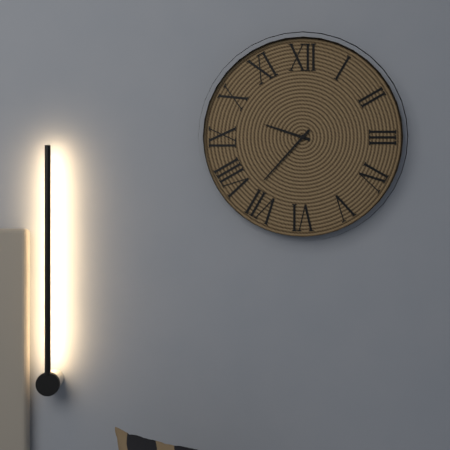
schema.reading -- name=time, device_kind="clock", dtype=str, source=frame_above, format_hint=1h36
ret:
9h37
